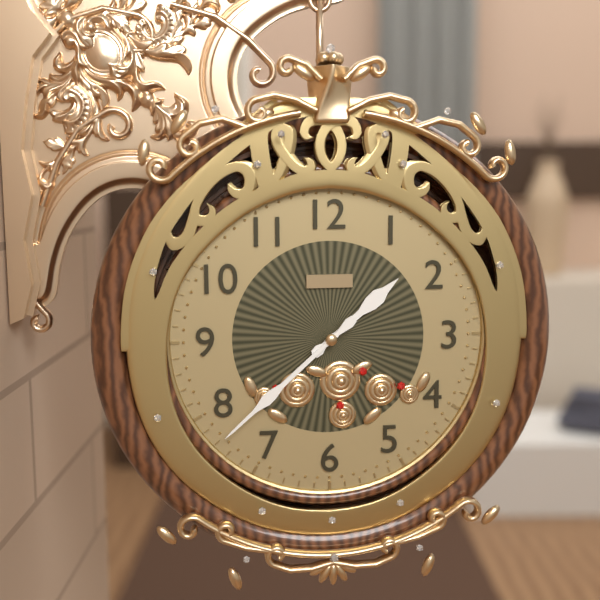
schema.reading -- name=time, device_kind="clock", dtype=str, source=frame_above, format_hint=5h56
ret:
1h38
